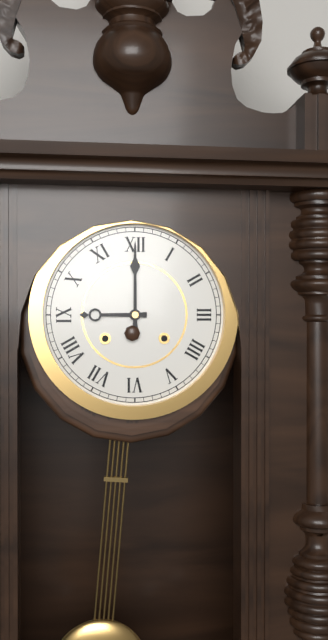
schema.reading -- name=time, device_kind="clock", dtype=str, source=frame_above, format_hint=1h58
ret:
9h00
